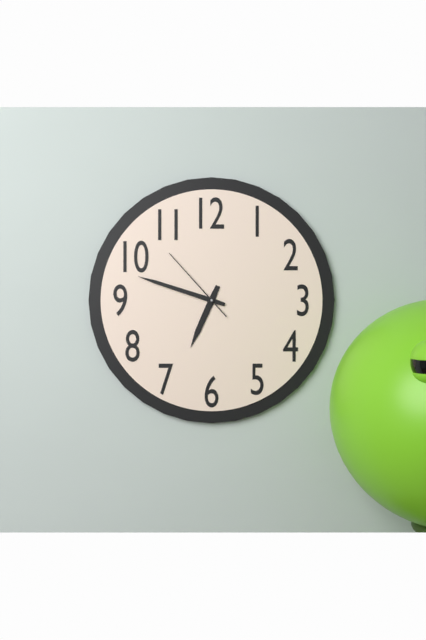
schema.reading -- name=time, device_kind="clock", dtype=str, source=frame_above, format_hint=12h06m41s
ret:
6h48m53s
